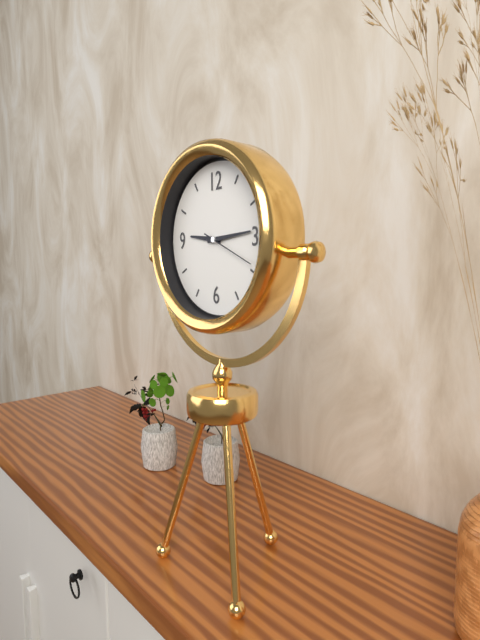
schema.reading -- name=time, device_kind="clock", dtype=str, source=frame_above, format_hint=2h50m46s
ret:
9h14m19s
